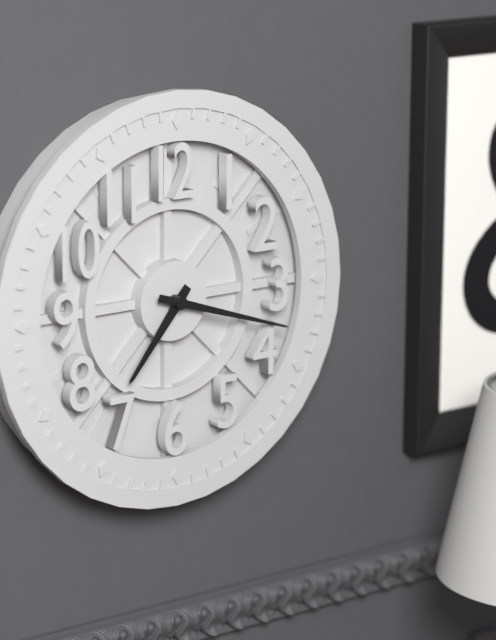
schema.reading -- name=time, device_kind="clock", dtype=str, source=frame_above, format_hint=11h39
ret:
7h18
